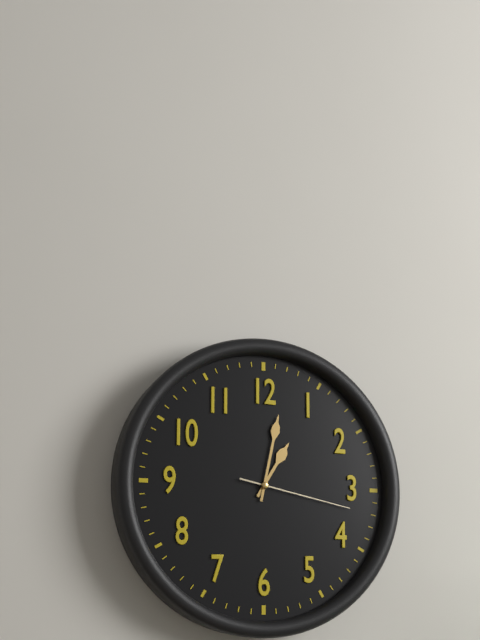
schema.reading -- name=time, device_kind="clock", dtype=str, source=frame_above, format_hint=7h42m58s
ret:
1h02m17s
